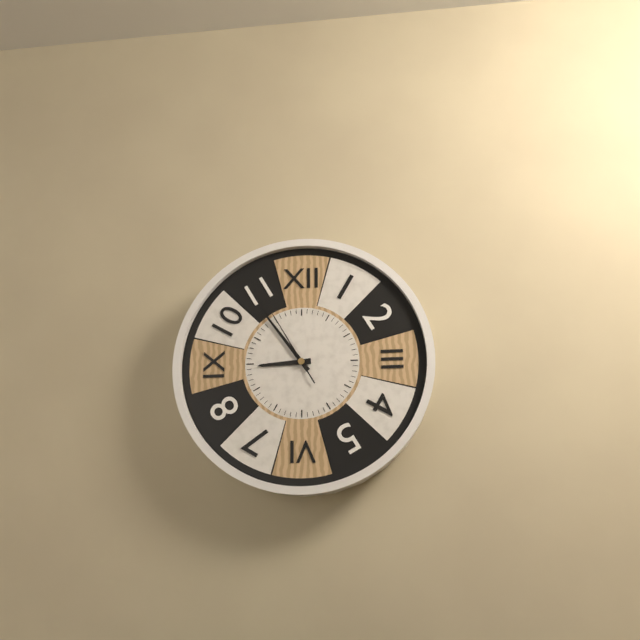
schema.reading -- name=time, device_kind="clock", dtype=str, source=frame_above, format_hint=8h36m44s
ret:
8h54m55s
